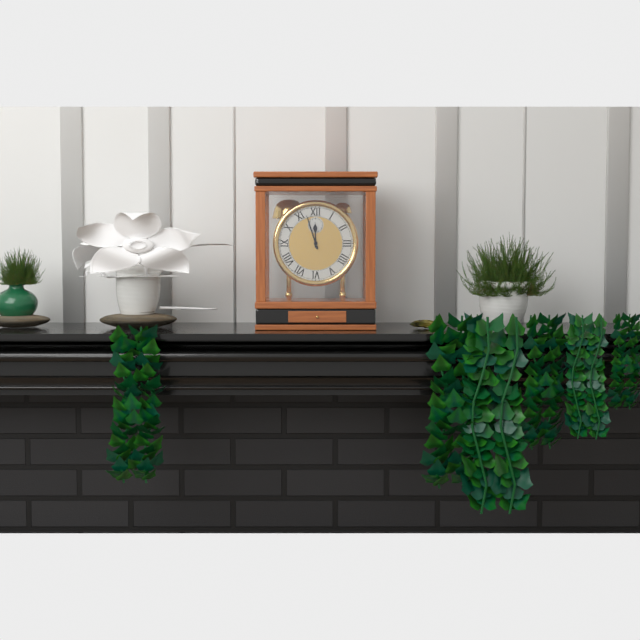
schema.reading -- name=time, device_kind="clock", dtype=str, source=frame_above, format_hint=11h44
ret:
11h57
